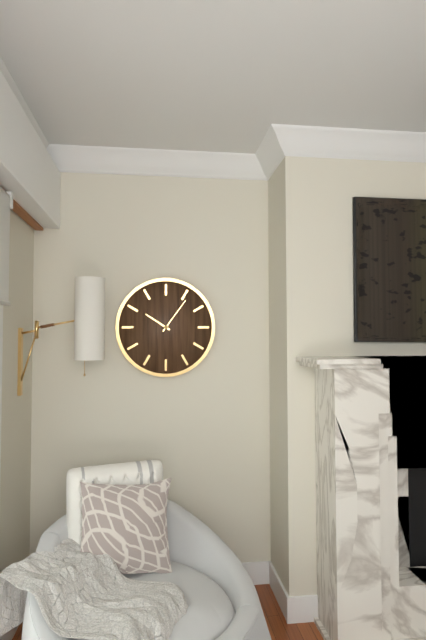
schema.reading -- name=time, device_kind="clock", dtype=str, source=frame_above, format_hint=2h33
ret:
10h06
